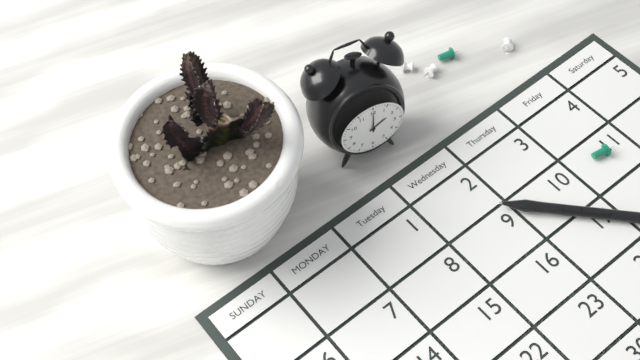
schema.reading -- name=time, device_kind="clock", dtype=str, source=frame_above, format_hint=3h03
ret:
2h00
